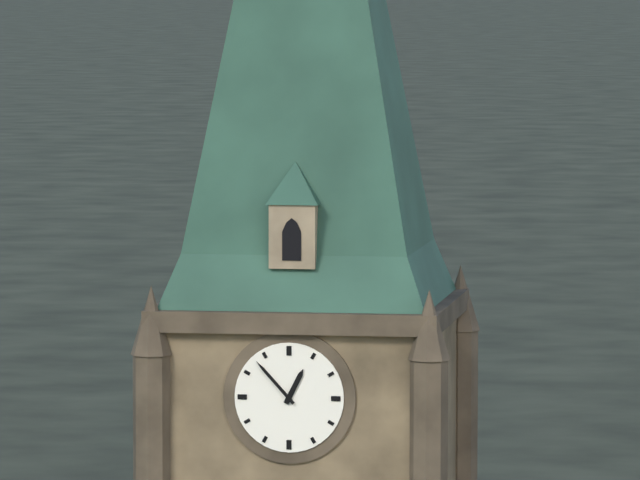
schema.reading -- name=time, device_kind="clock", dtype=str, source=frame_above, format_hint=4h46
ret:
12h53
